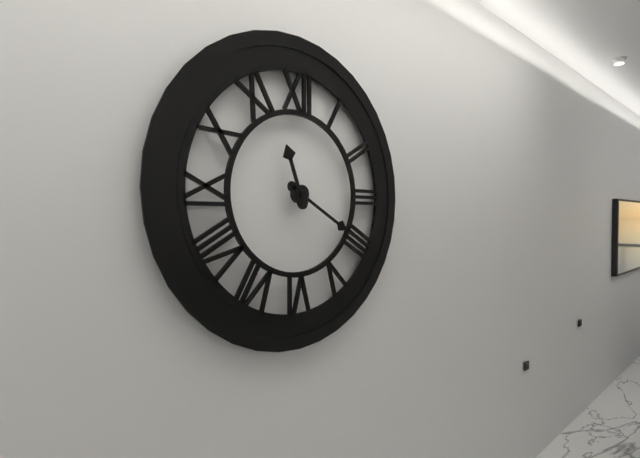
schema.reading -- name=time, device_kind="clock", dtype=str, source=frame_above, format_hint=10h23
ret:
11h20
